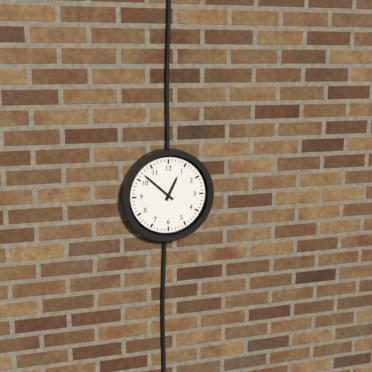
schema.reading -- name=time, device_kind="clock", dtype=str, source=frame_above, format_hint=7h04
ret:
12h52
